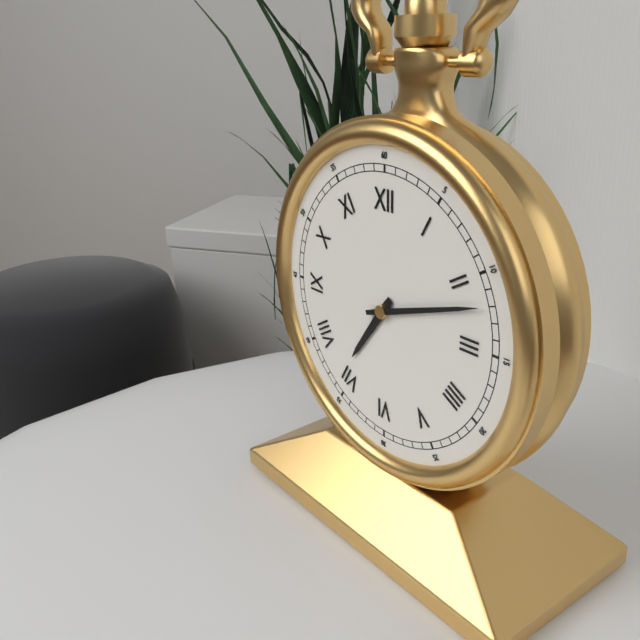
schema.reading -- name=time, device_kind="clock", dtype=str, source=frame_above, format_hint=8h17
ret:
7h12
